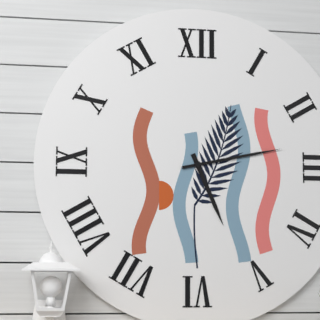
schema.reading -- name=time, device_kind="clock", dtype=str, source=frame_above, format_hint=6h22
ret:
5h13
